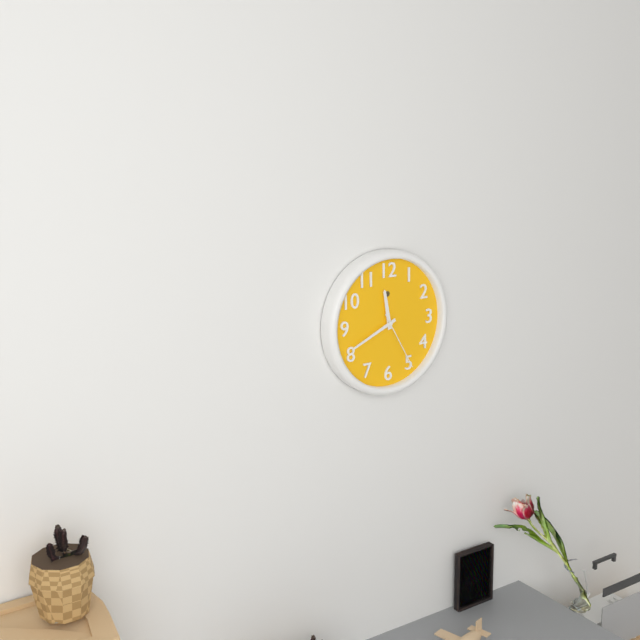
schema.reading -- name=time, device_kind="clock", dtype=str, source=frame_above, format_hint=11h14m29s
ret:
11h41m25s
